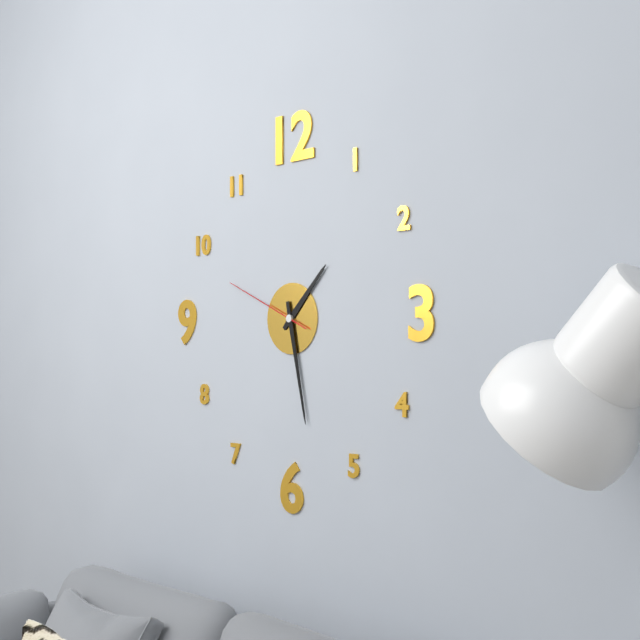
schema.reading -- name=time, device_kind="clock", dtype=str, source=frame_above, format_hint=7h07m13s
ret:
1h28m49s
